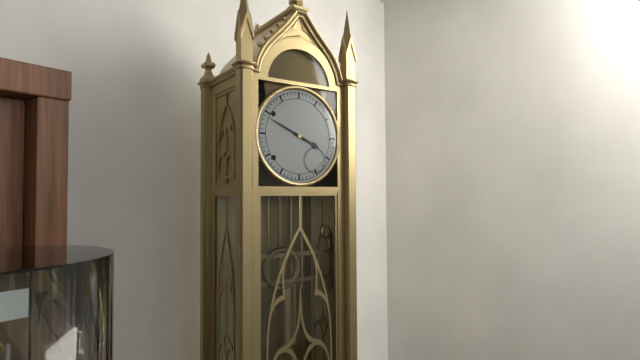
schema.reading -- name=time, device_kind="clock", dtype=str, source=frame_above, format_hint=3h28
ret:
3h49
